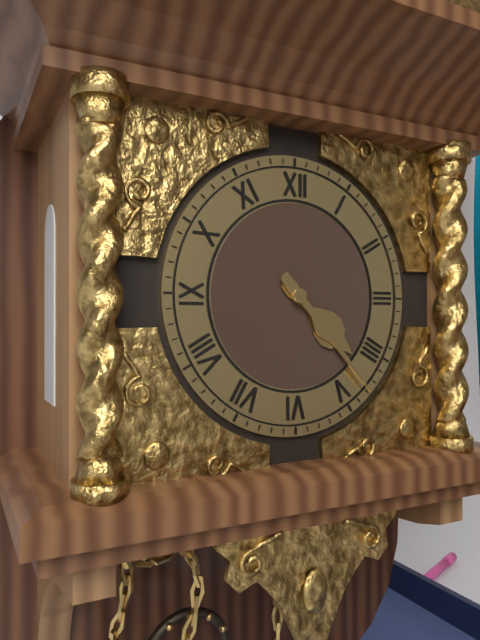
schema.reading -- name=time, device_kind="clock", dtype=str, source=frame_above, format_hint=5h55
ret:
4h23
